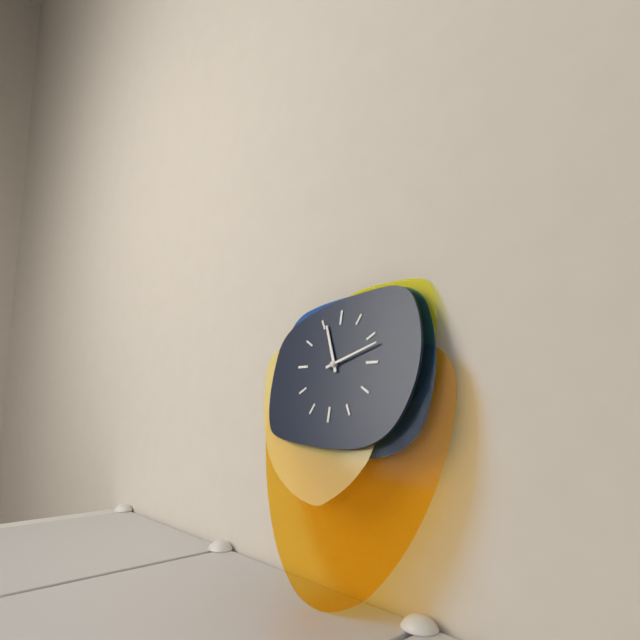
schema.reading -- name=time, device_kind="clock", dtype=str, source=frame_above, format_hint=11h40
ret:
11h12
